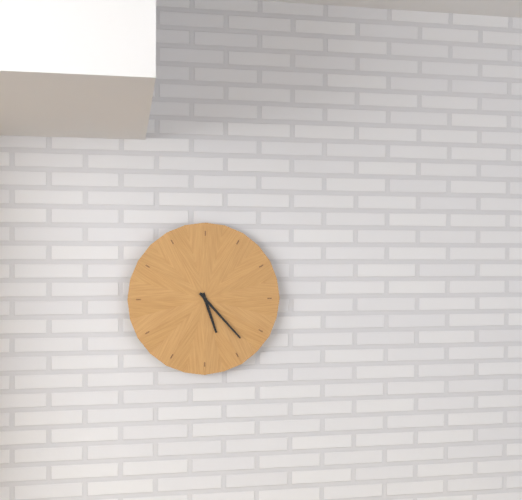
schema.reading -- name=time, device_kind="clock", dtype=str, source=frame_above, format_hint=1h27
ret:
5h23
